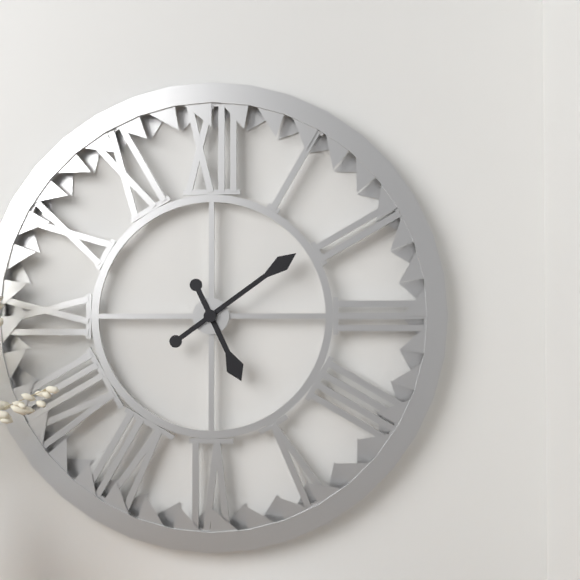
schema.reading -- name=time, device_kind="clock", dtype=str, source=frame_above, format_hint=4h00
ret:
5h09
